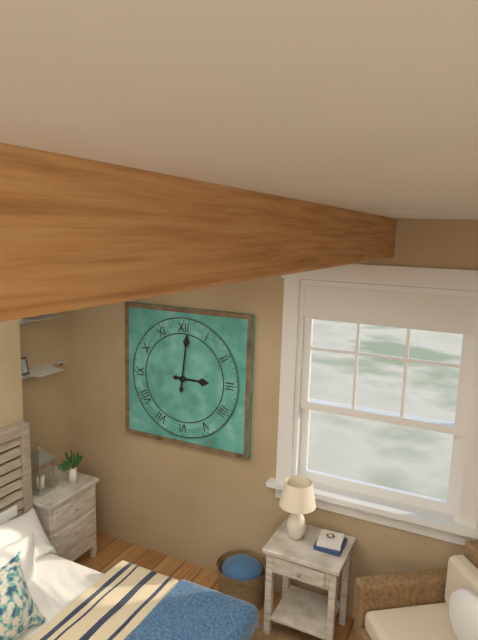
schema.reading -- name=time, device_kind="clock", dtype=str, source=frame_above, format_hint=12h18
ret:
3h01
